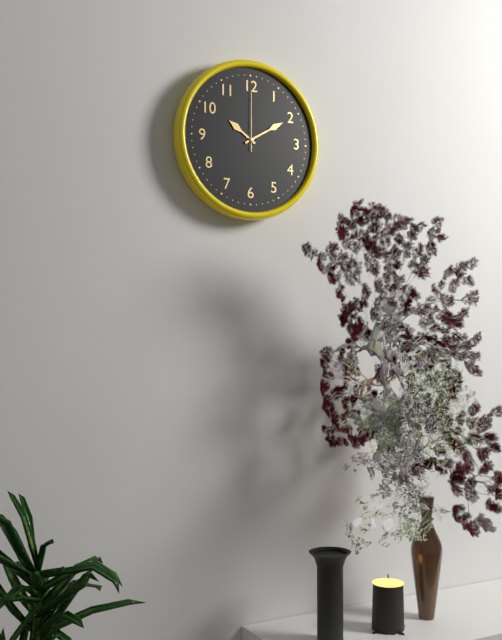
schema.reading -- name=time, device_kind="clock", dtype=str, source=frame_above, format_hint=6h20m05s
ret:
10h10m00s
